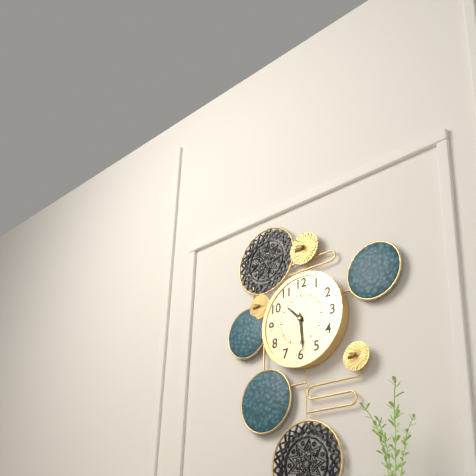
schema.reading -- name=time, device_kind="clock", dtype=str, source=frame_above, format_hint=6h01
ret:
10h29
